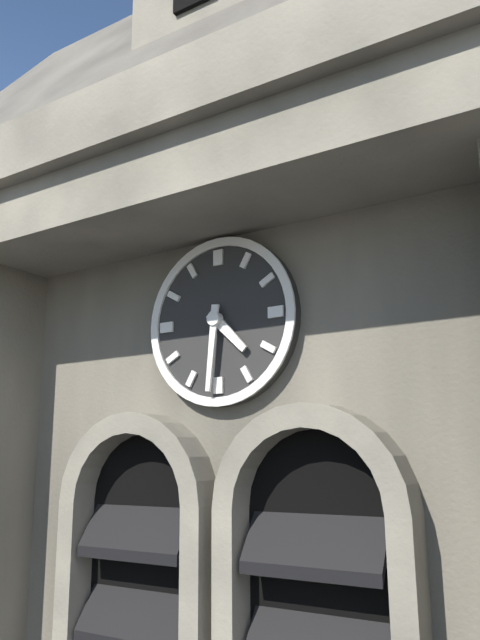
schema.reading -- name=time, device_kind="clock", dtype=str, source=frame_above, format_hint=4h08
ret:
4h31
